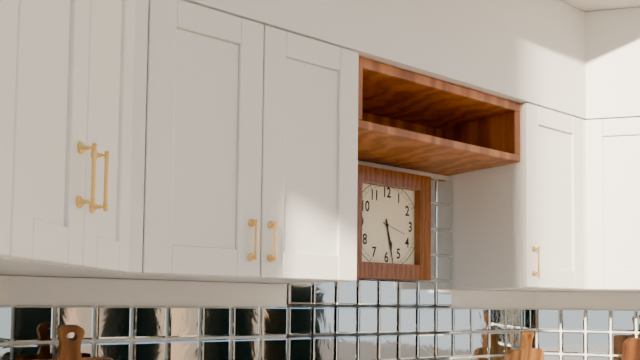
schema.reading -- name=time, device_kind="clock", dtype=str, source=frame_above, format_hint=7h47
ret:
5h28
